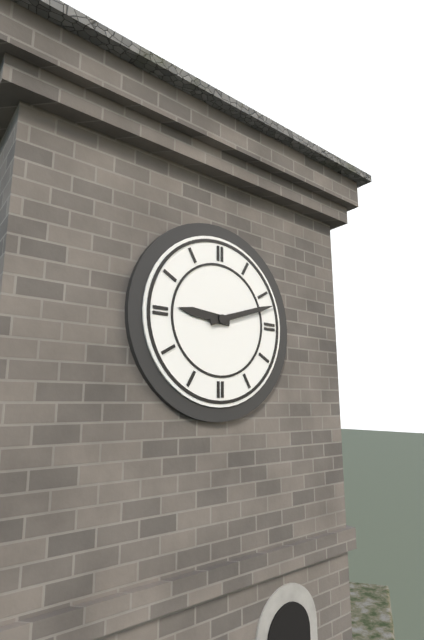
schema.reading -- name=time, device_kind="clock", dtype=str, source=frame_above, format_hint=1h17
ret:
9h12
